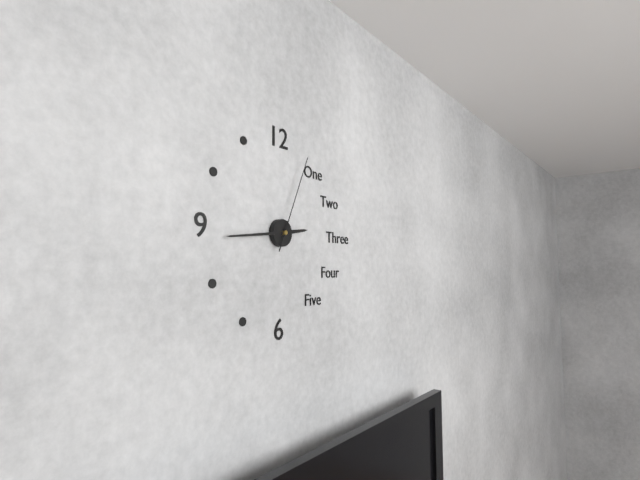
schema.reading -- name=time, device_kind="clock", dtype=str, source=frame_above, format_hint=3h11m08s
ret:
2h44m04s
